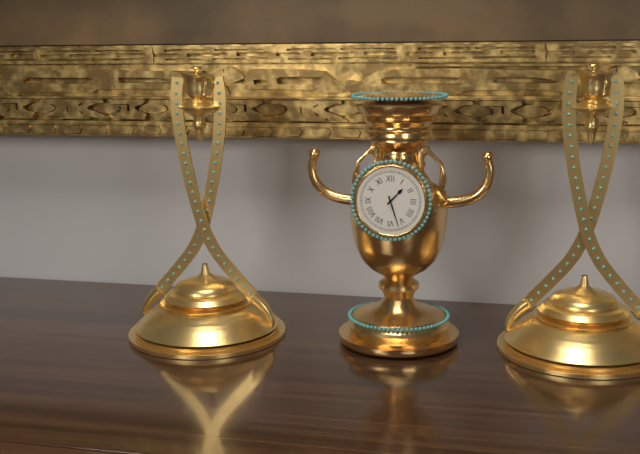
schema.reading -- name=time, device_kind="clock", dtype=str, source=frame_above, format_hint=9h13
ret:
1h27
